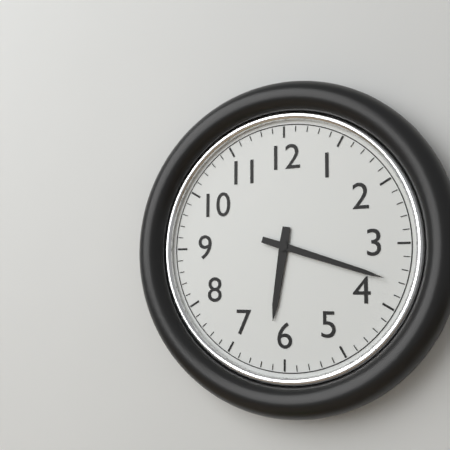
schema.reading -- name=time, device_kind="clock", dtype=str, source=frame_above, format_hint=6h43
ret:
6h18
